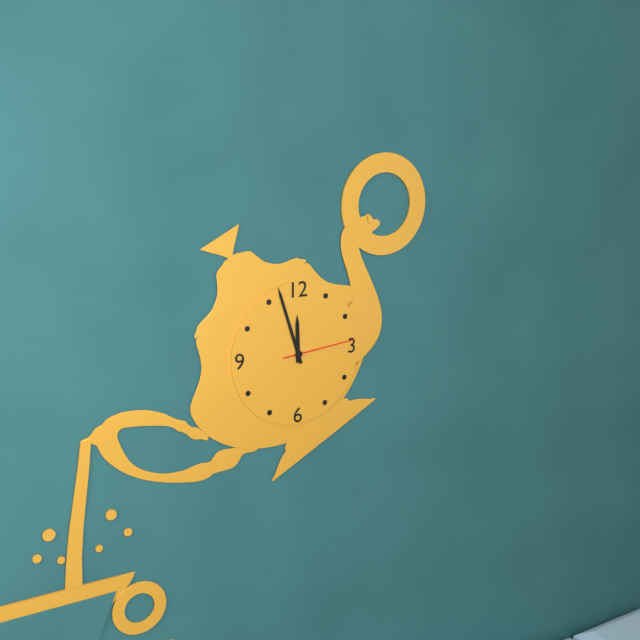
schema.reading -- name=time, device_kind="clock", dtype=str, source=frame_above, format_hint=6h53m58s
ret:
11h57m14s
